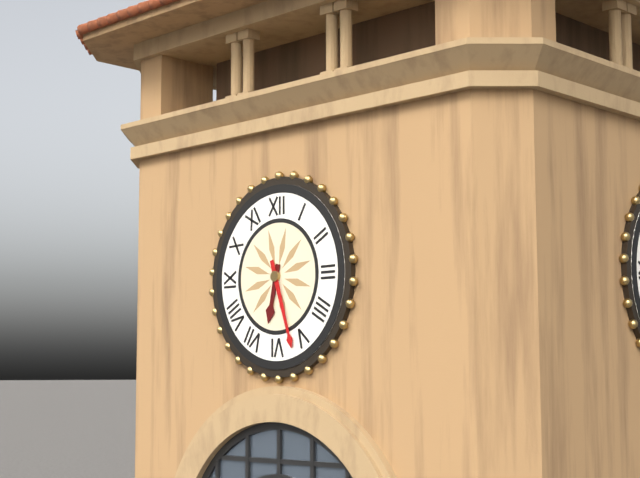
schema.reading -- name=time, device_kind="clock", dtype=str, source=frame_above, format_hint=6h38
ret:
6h27
